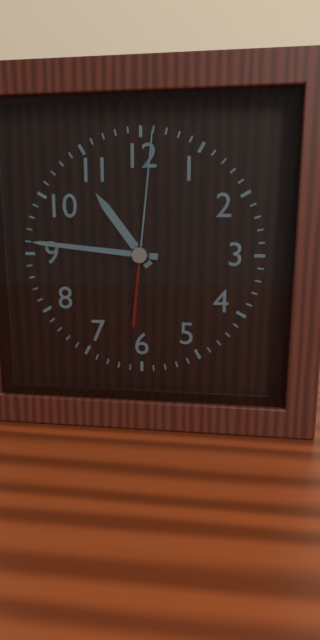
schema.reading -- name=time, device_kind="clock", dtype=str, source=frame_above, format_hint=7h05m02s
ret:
10h46m01s
